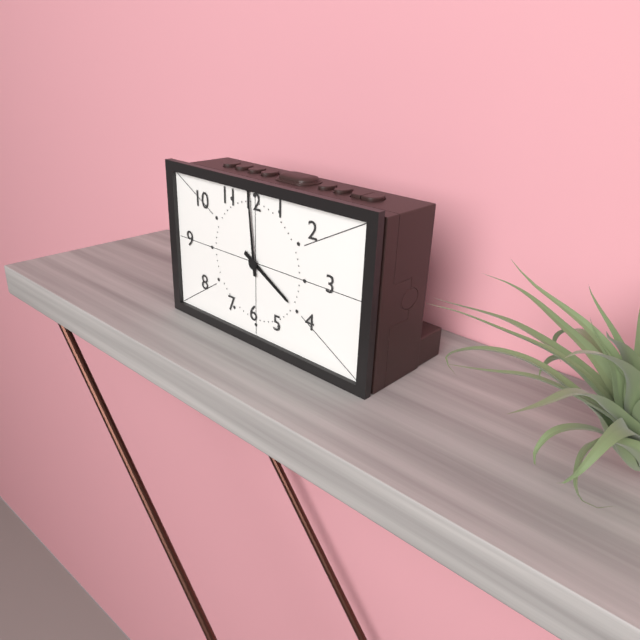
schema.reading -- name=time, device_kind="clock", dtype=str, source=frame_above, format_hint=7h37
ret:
3h59
